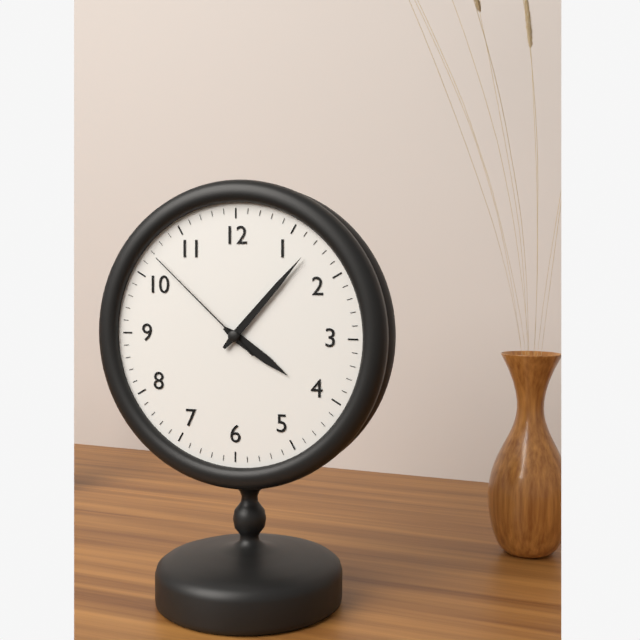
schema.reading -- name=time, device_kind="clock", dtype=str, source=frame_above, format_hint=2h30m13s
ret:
4h07m52s
